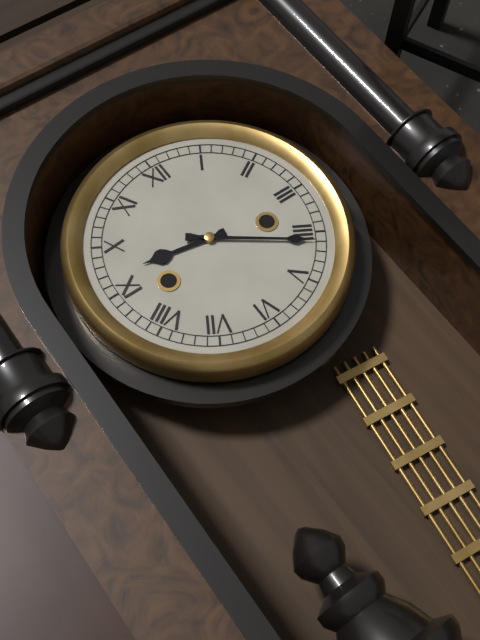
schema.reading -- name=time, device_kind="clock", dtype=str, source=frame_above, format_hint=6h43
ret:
9h21
